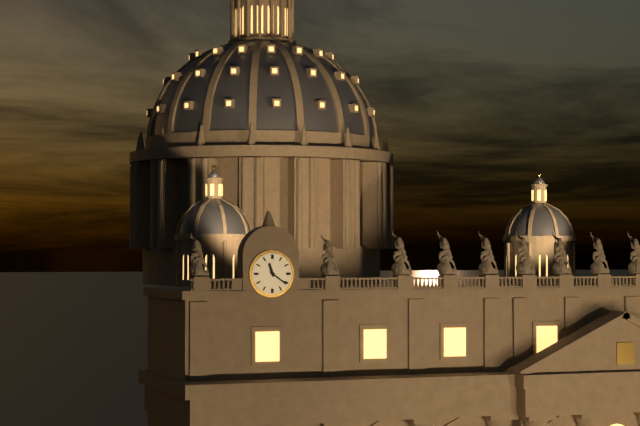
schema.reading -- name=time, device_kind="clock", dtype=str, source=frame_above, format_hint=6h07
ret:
11h21
